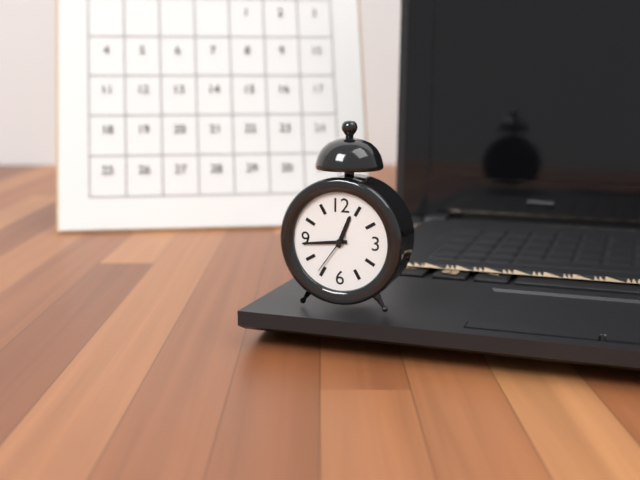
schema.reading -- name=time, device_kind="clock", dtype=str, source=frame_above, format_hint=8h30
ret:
12h44
